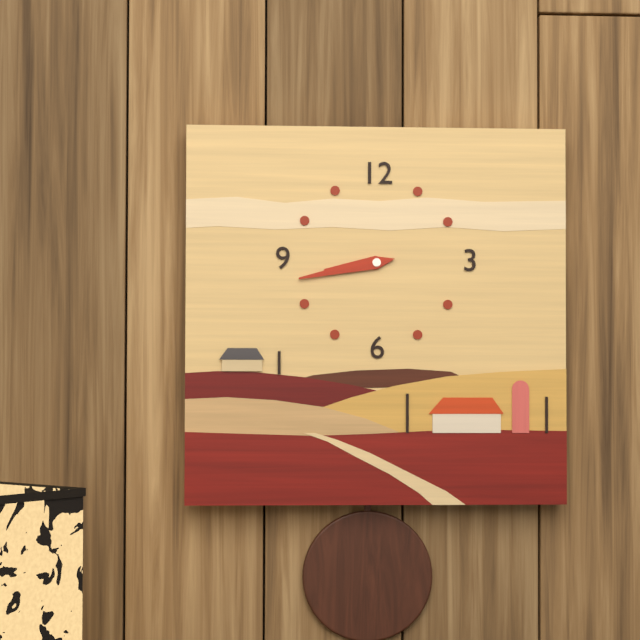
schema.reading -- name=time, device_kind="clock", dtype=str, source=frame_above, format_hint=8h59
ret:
8h43
